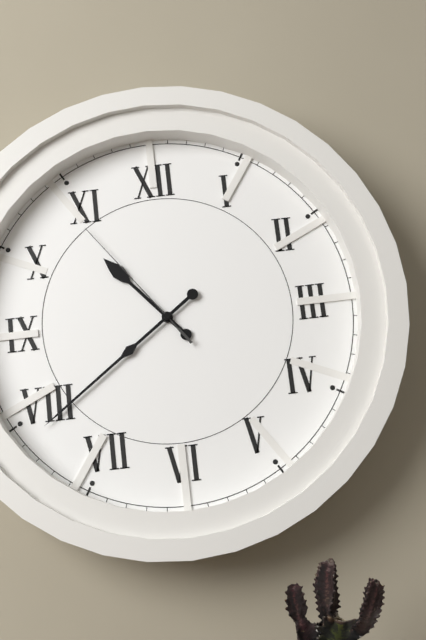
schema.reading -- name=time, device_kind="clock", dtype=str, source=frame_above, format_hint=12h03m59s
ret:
10h39m54s
